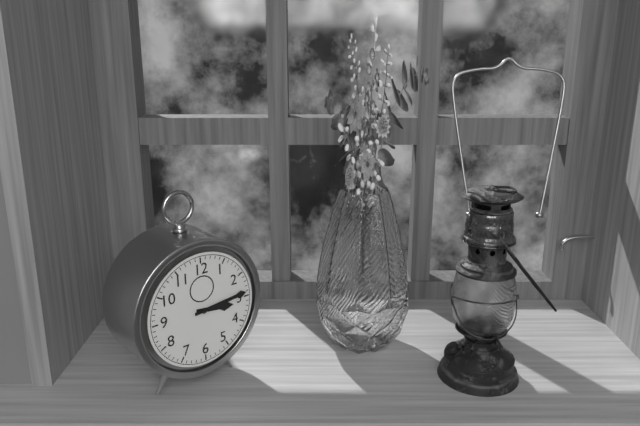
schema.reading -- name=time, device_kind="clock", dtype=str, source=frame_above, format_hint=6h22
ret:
3h14
